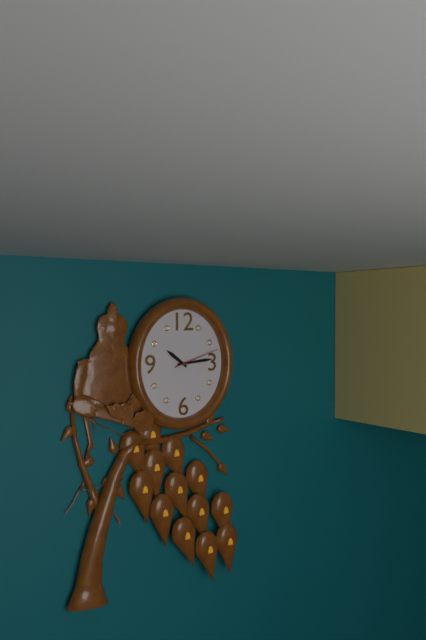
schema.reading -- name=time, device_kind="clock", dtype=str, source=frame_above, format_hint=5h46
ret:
10h14
